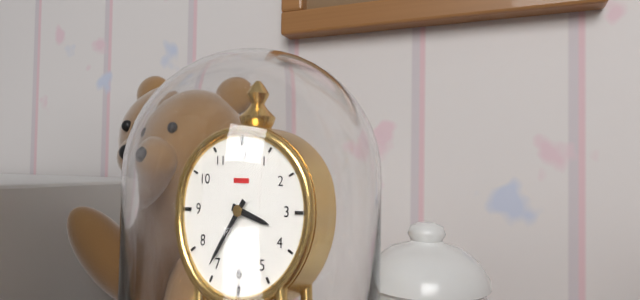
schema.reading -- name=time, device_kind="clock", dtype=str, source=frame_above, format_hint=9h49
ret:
3h36
